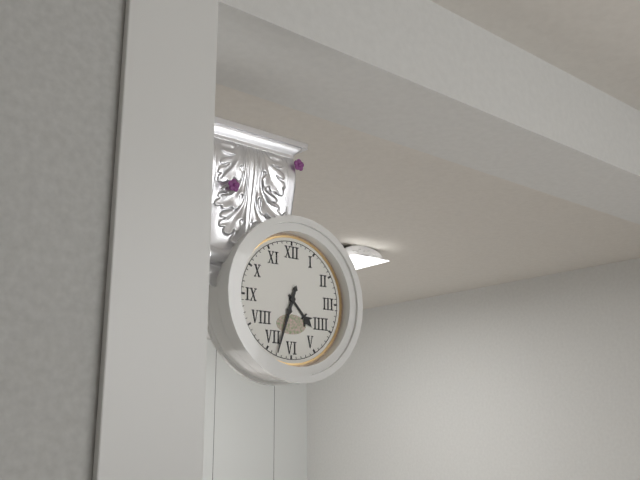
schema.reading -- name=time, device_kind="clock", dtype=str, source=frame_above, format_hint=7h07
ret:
4h33
